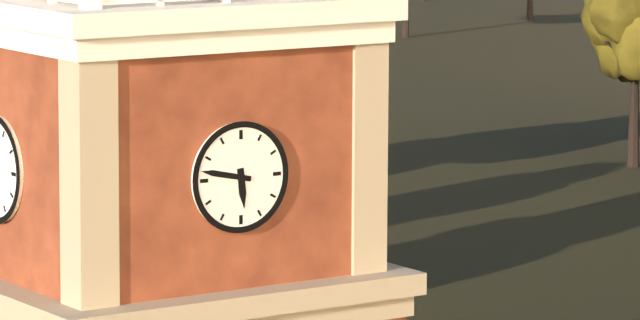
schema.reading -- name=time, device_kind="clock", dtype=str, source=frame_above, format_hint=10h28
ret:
5h47
